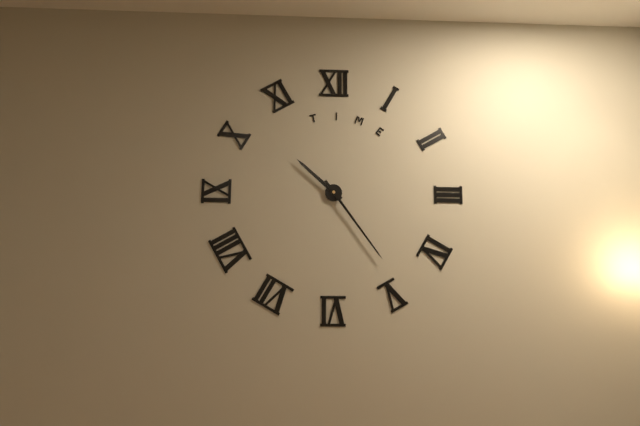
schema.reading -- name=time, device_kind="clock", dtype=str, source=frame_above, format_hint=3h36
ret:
10h24
